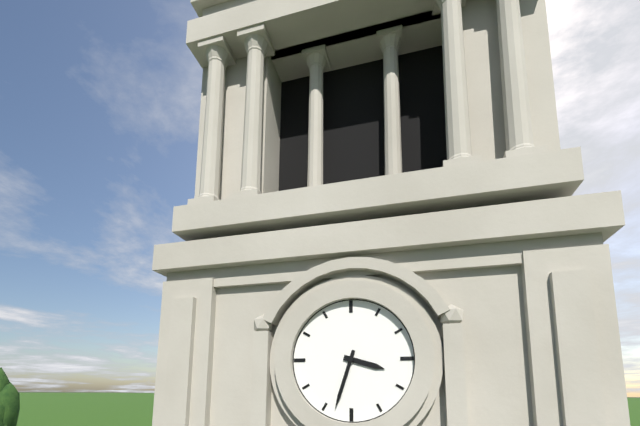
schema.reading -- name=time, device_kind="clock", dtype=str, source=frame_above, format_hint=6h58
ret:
3h33
